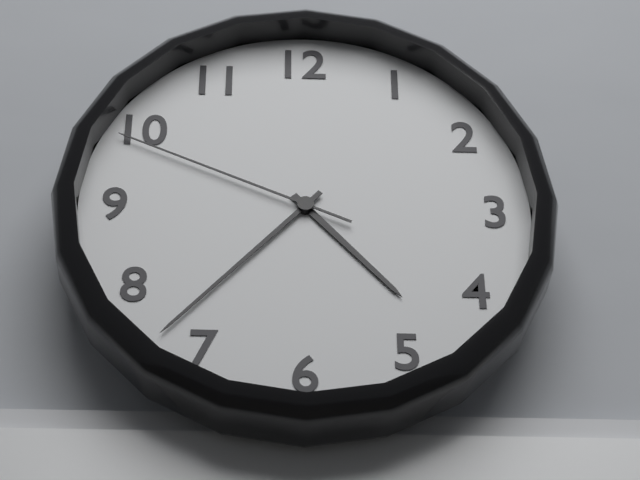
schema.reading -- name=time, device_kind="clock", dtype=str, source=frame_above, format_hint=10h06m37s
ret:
4h37m49s
